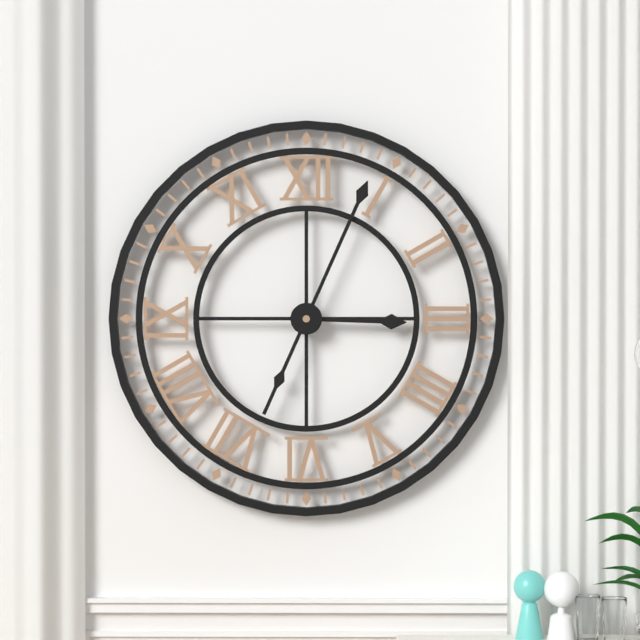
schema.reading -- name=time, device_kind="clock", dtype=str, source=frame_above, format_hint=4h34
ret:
3h04
